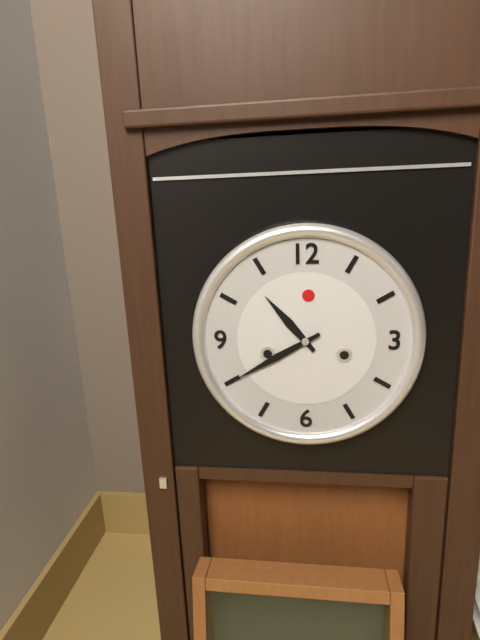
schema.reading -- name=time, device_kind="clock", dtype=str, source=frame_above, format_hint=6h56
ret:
10h40
